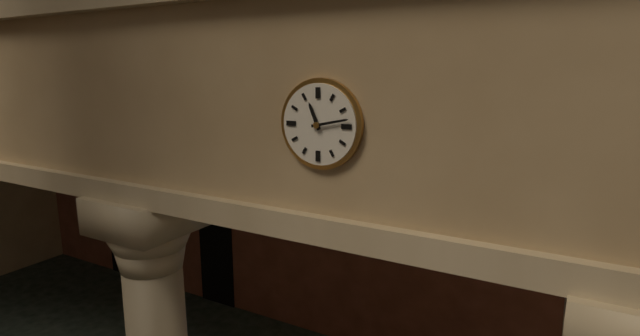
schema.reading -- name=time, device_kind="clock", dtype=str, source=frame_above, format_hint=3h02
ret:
11h13
